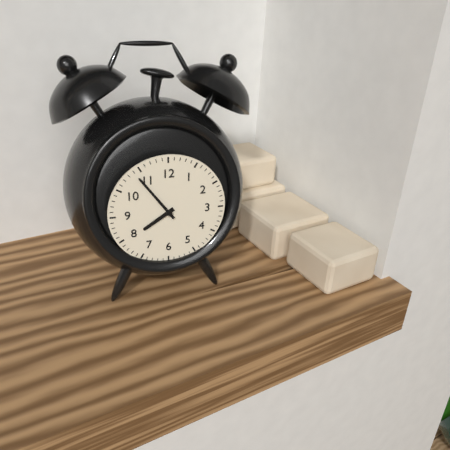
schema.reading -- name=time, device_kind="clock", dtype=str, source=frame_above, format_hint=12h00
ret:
7h54
